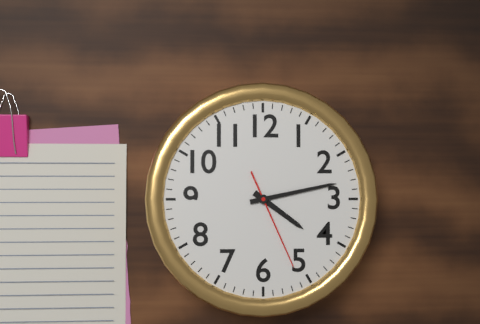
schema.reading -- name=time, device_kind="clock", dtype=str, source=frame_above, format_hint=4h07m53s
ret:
4h13m26s
